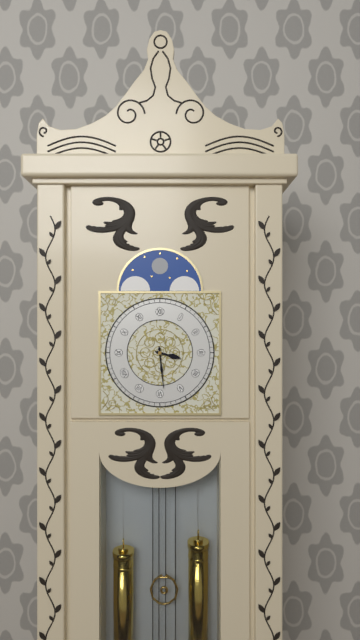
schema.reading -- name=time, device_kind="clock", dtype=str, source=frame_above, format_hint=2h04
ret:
3h29
